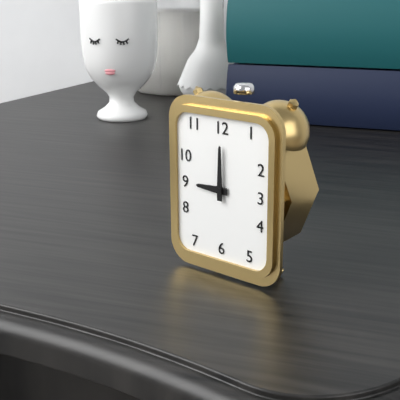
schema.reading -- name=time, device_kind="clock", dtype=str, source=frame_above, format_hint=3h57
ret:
9h00
